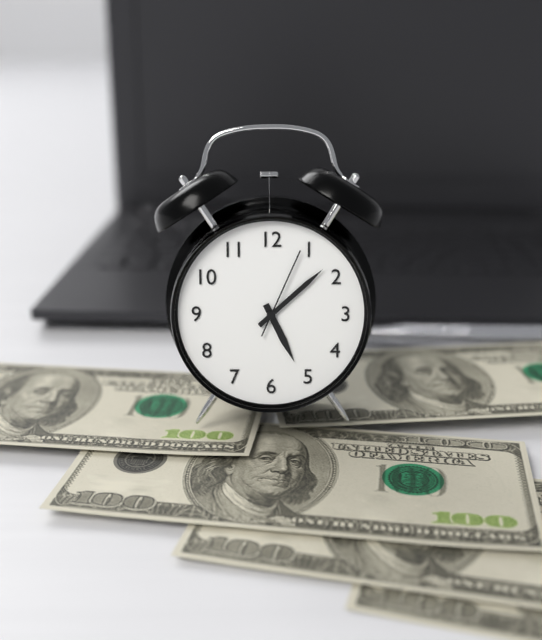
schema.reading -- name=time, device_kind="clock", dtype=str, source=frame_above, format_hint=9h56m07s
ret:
5h08m04s
